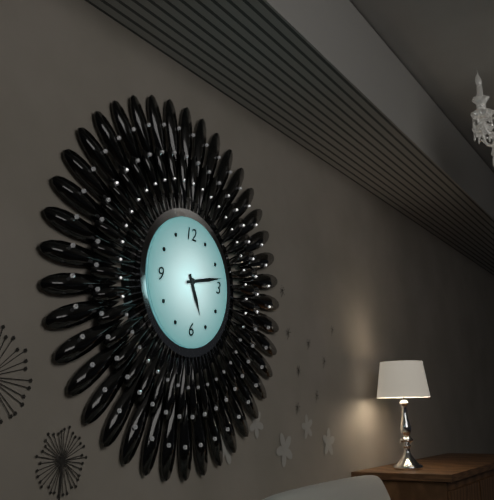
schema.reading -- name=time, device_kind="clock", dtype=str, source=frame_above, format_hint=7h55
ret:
5h13
